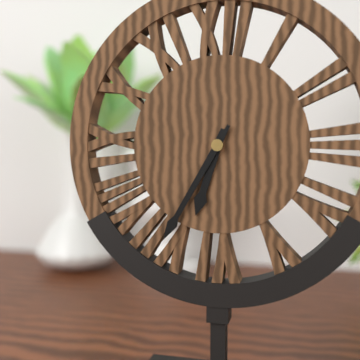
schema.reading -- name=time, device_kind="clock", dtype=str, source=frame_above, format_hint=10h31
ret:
6h35
